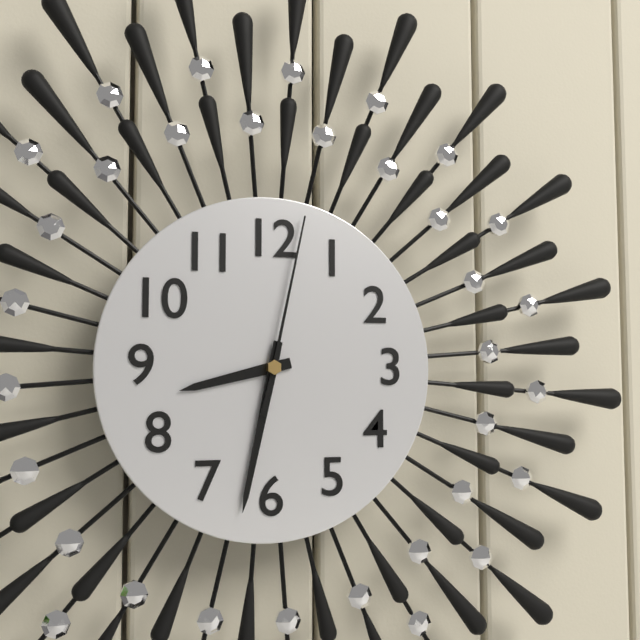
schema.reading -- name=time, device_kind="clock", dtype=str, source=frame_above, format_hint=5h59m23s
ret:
8h32m02s
